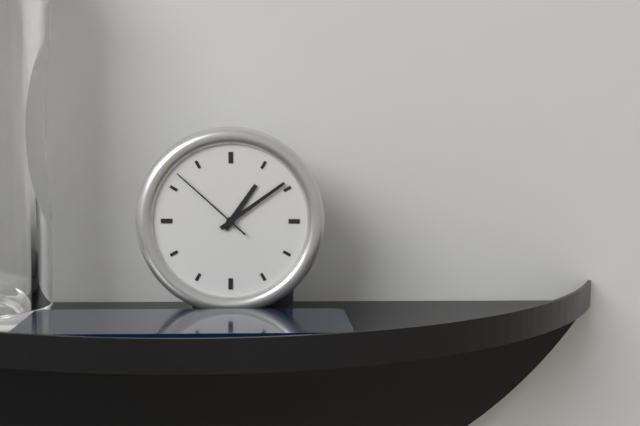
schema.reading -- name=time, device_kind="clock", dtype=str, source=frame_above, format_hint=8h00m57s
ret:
1h09m52s
